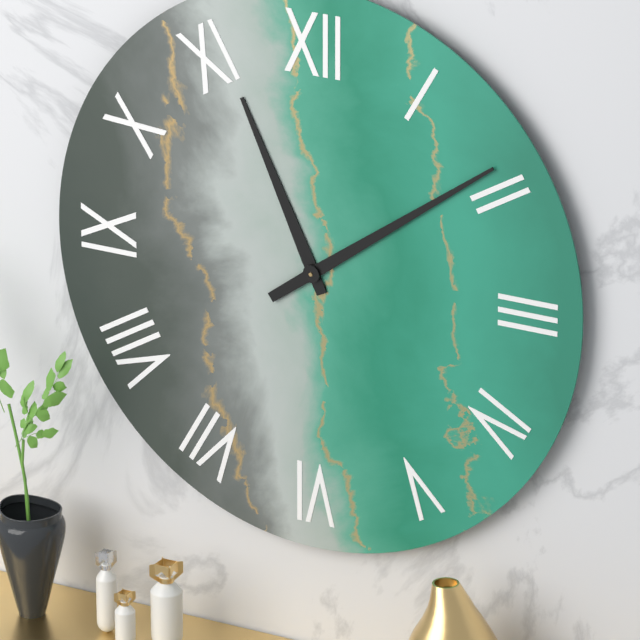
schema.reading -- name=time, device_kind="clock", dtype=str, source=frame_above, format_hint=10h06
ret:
11h09
